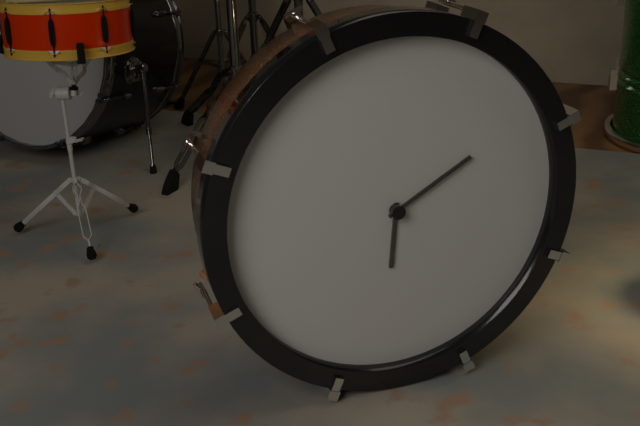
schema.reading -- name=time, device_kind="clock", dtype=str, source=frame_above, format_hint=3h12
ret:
6h10
